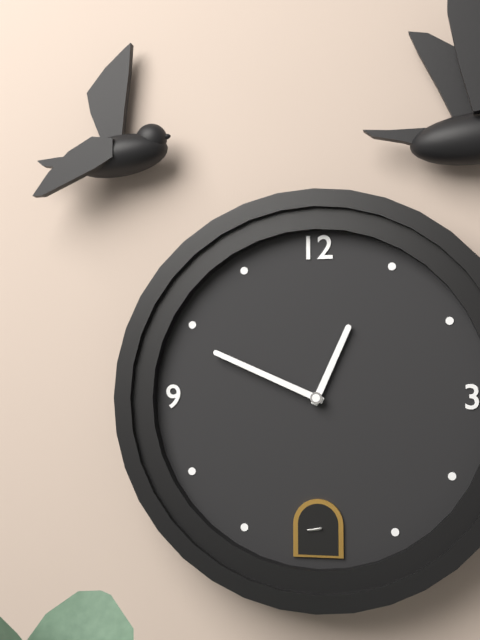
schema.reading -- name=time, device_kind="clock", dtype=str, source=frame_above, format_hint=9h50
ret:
12h49
